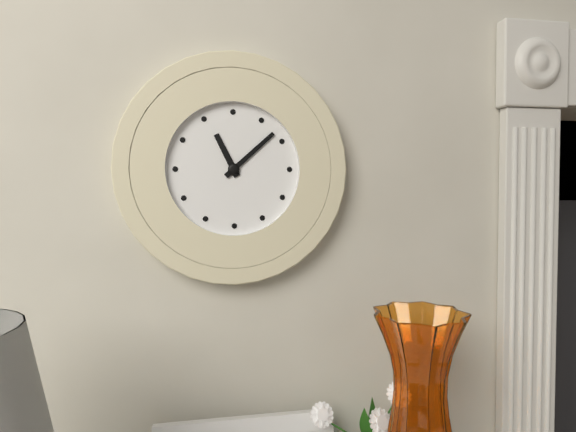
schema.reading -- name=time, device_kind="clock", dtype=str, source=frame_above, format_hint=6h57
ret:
11h08
